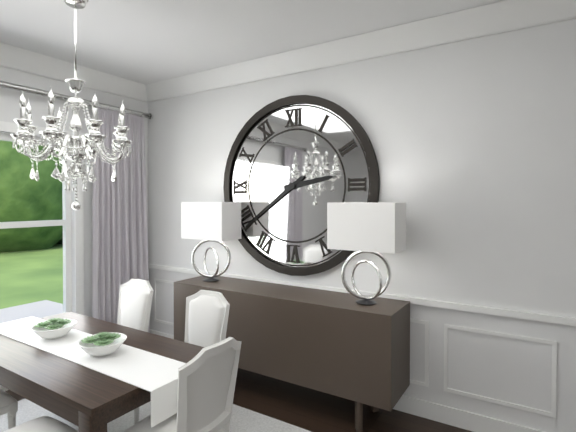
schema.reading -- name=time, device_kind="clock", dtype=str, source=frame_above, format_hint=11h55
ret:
2h39
